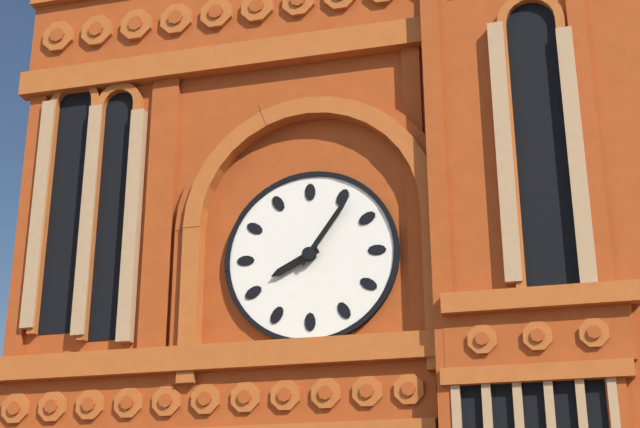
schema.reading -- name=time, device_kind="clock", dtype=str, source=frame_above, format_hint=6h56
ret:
8h06
